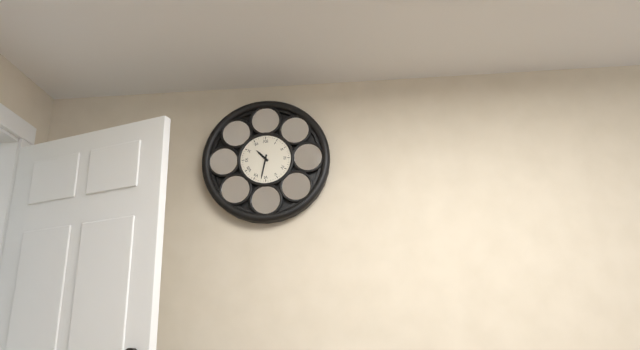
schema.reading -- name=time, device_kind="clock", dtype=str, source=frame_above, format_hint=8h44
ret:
10h32
